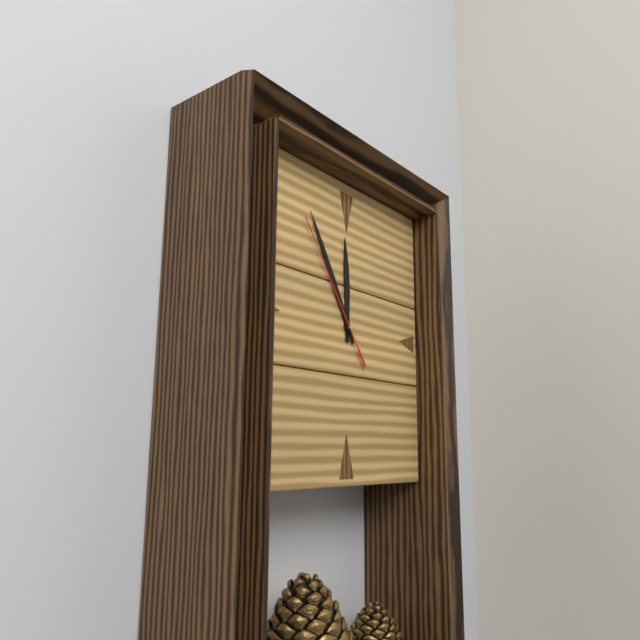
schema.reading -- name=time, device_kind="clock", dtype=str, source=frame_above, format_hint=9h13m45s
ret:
11h55m54s
